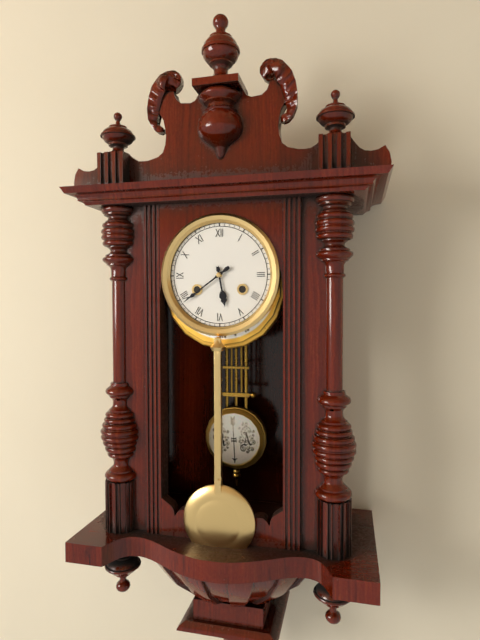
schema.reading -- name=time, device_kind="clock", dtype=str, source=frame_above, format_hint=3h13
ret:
5h39
